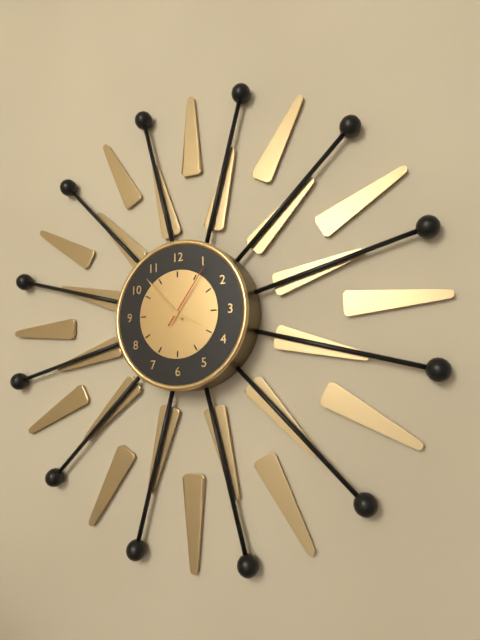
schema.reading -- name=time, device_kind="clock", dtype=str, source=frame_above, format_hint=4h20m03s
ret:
3h53m06s
